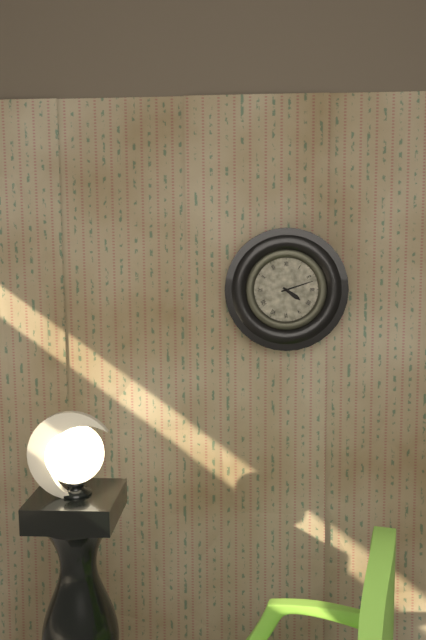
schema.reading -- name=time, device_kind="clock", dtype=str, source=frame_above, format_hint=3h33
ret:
4h12
